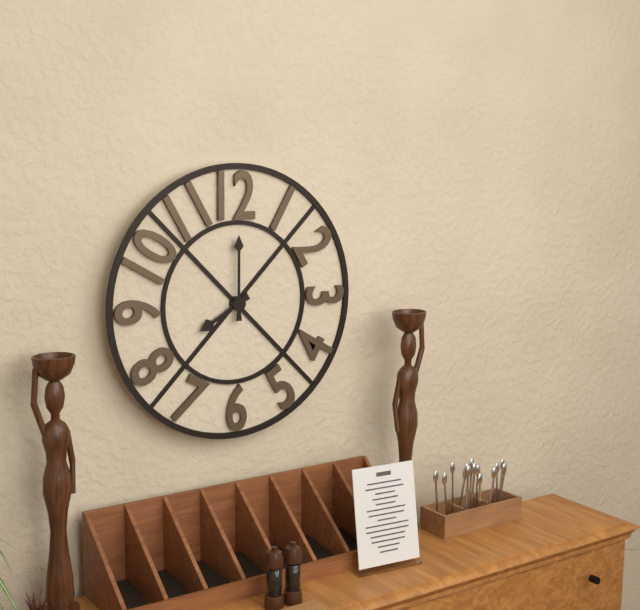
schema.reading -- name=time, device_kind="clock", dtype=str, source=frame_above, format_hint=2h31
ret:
8h00
